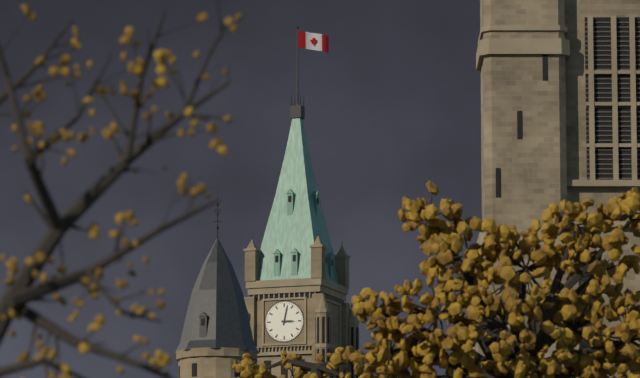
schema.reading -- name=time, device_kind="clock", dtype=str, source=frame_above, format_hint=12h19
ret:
3h02
